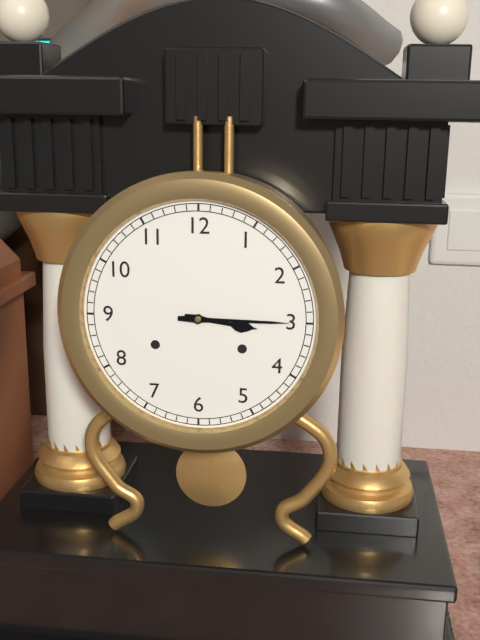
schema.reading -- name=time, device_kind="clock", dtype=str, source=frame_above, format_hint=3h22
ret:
3h15
